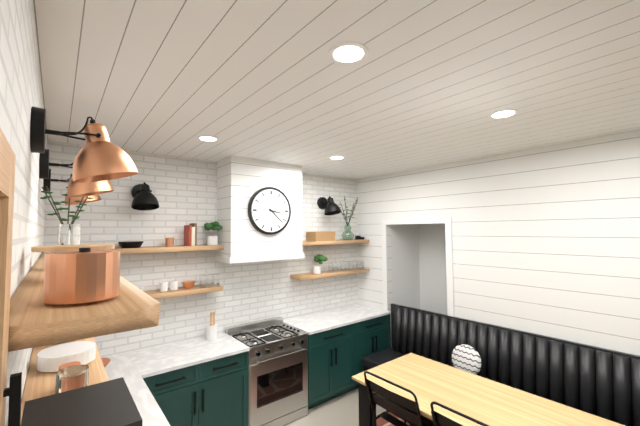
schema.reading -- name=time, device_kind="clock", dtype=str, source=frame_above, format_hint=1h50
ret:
3h22
